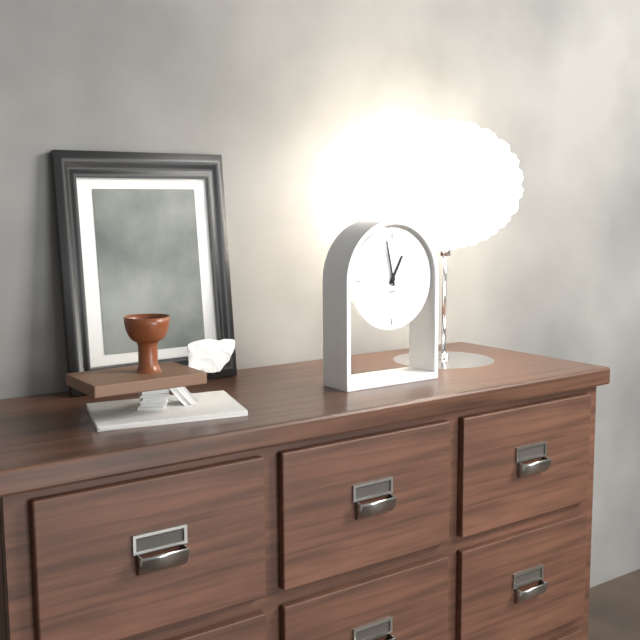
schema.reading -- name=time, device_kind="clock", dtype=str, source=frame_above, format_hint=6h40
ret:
12h58
